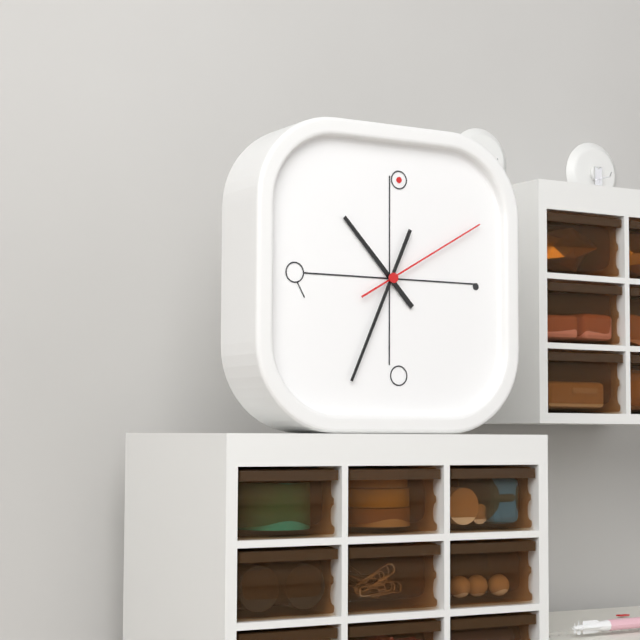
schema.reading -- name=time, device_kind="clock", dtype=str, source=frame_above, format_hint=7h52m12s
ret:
10h34m10s
